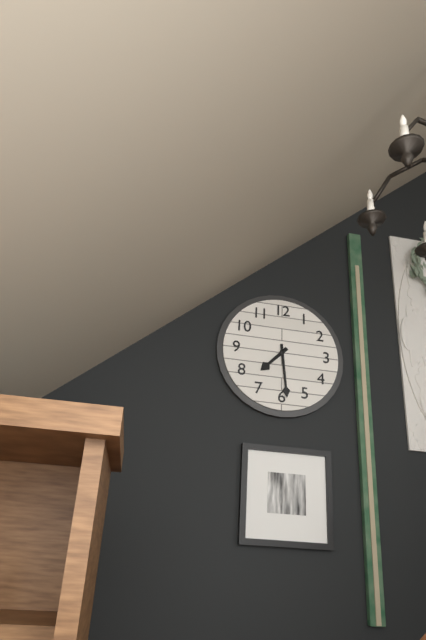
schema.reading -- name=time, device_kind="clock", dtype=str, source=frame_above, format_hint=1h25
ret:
7h29
